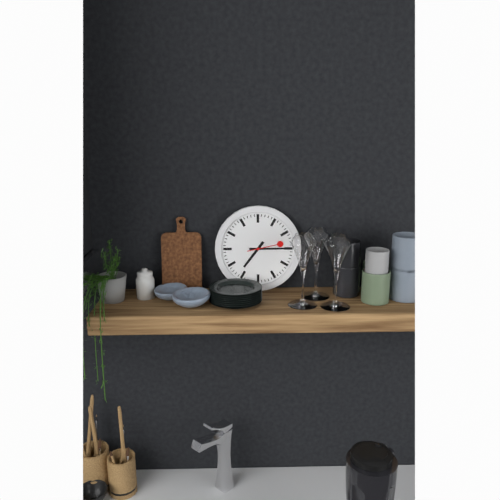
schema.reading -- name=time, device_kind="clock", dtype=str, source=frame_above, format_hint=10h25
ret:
7h15
